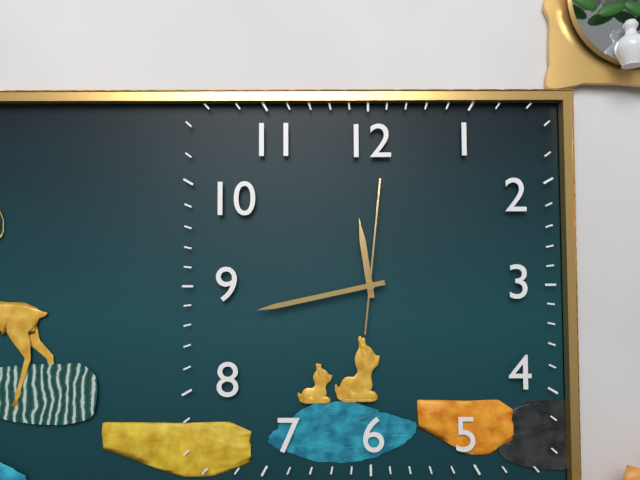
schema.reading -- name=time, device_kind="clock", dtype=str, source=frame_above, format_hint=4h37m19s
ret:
11h43m01s
